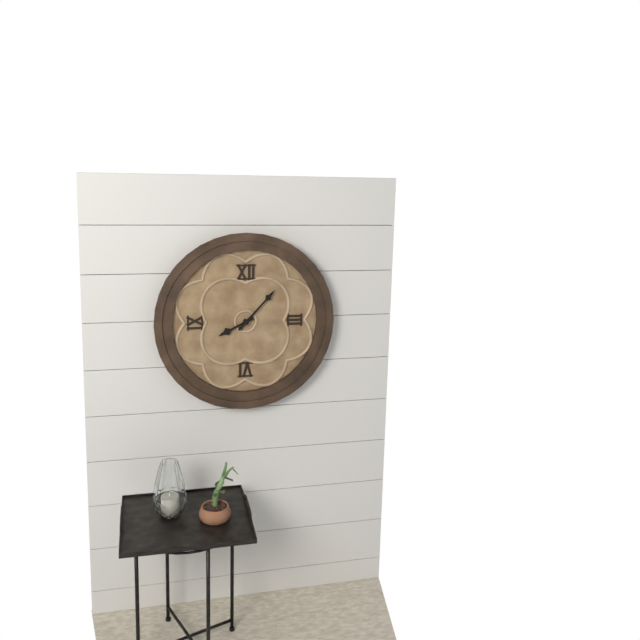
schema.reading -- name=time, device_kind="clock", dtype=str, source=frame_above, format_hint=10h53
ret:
8h07
